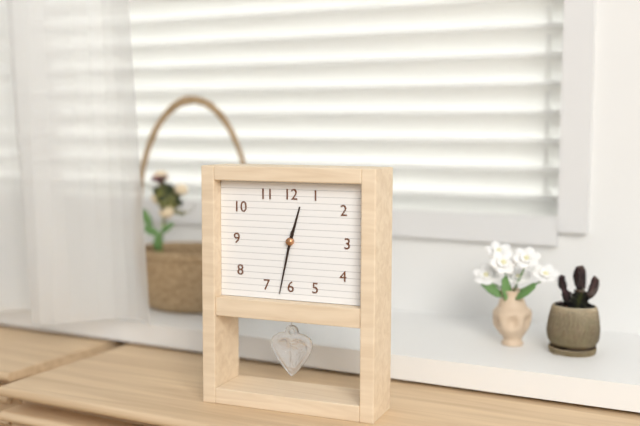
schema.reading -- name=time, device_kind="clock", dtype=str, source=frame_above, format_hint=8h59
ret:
12h32
